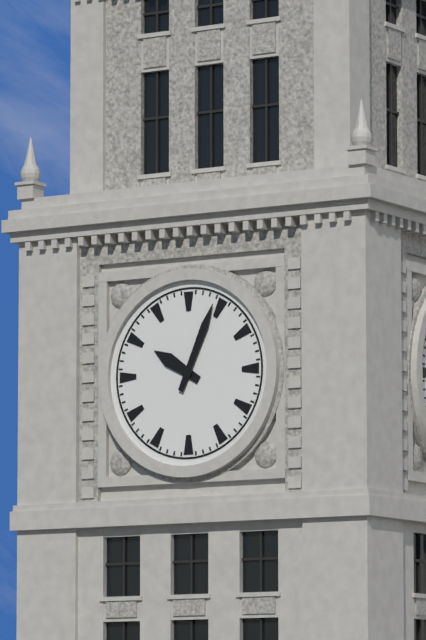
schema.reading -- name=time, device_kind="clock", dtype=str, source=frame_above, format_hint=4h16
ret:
10h04
